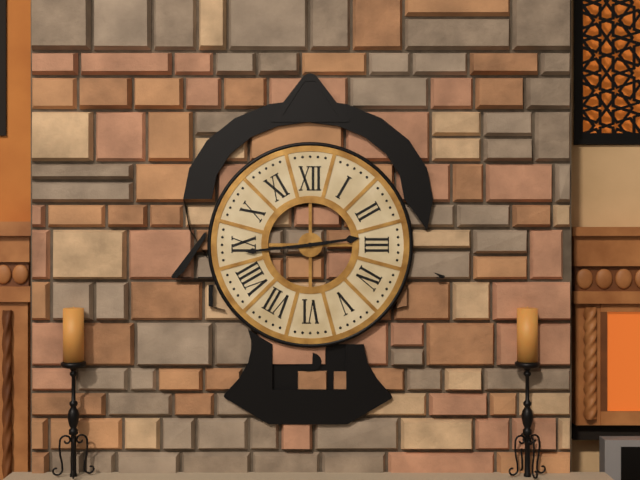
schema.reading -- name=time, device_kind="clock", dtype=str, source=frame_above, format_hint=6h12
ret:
2h44
